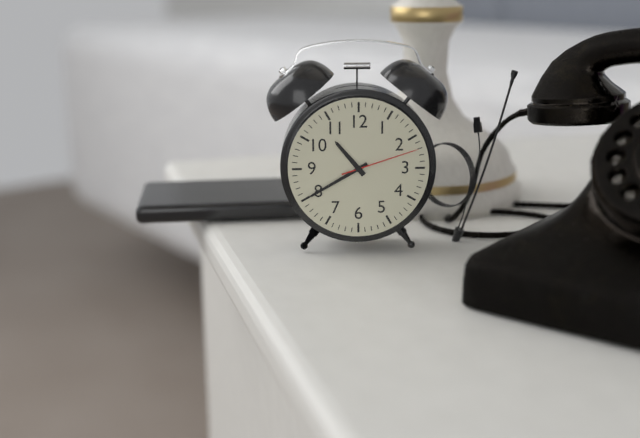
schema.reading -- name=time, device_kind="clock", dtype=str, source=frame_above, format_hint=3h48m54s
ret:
10h40m12s
